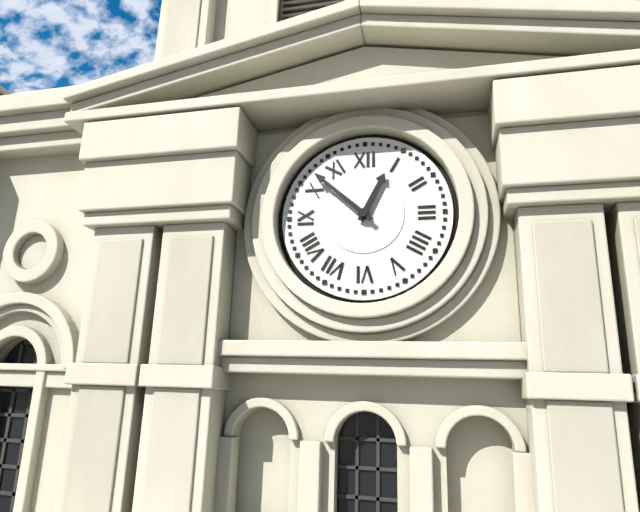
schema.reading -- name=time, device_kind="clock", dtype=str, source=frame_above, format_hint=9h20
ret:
12h52
